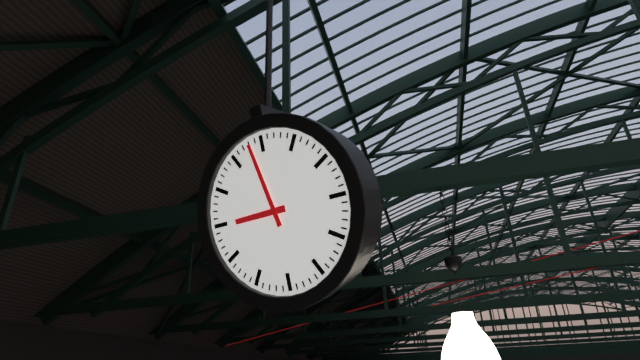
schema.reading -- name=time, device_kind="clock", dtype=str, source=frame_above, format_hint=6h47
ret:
8h58
